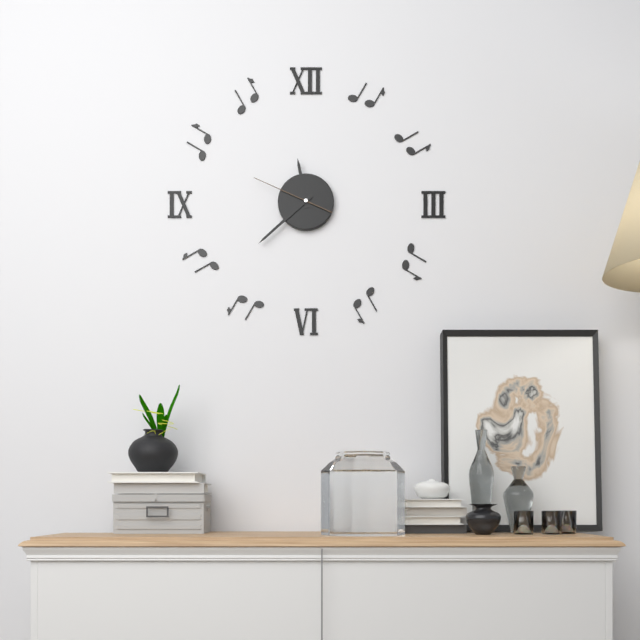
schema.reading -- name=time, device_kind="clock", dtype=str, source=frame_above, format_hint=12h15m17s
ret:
11h38m49s
